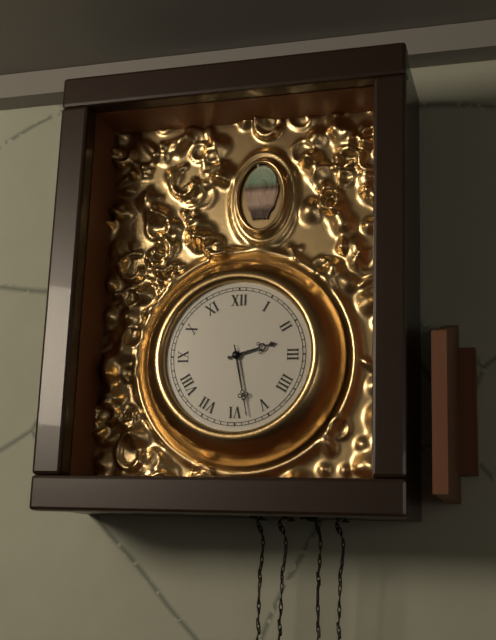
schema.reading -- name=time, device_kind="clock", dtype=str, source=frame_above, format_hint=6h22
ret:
2h28
